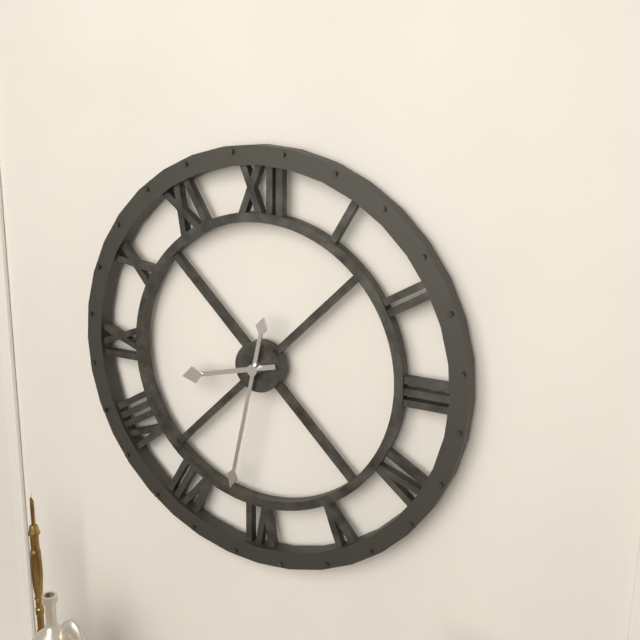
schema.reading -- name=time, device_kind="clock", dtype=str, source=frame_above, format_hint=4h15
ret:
8h32
